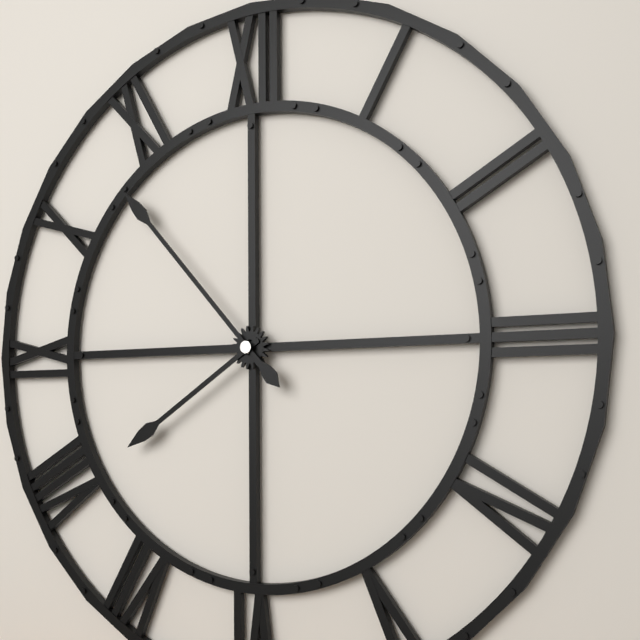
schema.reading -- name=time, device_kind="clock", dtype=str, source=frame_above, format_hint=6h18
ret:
7h53
